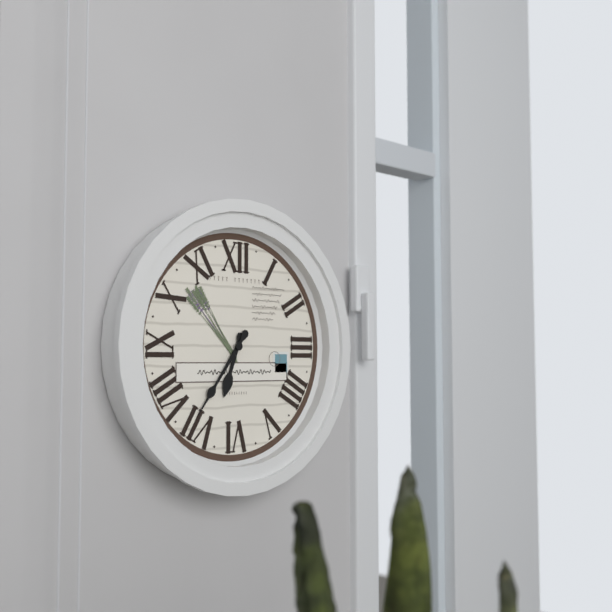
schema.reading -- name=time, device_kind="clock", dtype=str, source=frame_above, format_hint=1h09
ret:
6h36
